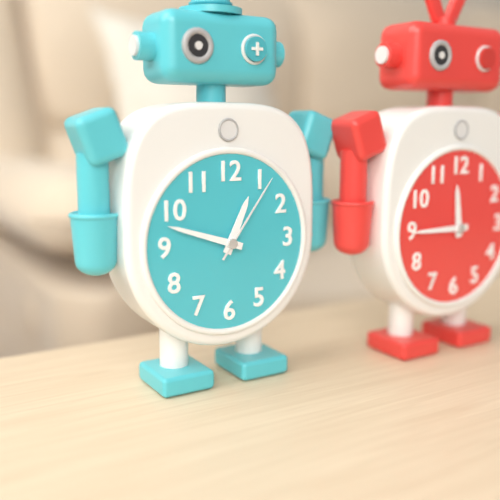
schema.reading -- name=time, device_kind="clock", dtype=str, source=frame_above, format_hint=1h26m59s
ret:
12h48m06s
